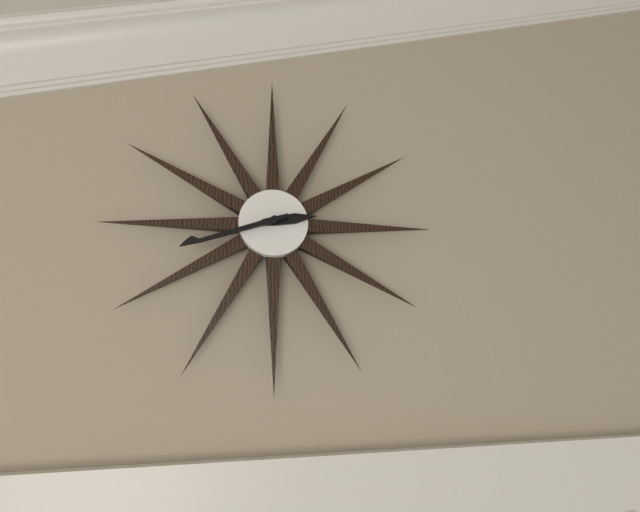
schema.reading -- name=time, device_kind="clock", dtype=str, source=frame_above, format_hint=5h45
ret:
2h42
